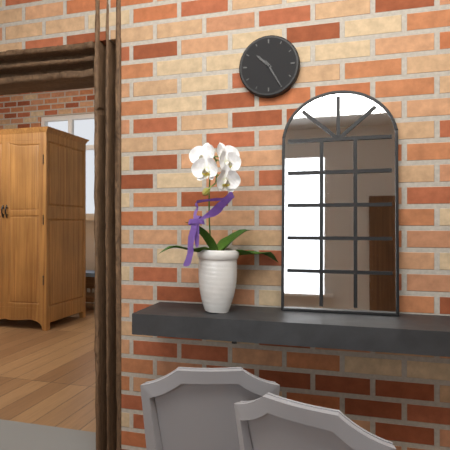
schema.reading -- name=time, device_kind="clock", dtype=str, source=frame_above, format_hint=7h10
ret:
10h25
